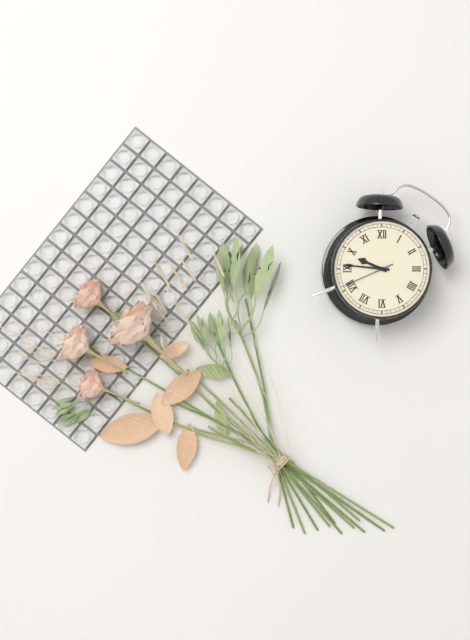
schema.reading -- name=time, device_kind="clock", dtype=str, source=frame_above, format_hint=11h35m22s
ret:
9h46m41s
